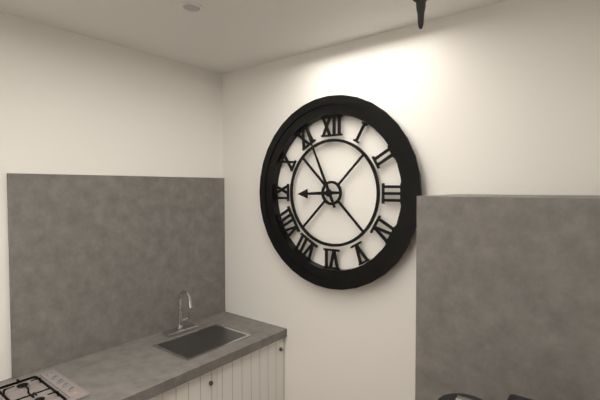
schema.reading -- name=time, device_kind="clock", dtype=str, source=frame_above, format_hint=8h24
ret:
8h56
